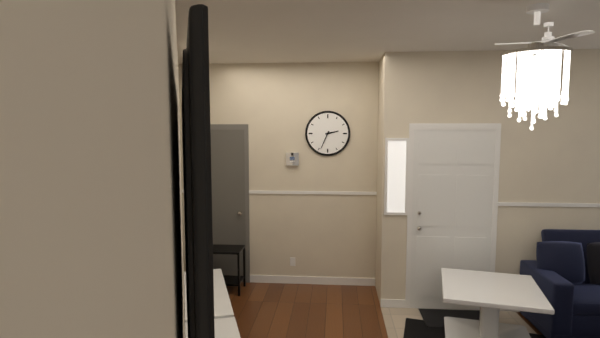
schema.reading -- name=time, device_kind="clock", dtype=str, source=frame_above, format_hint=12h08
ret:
2h34
